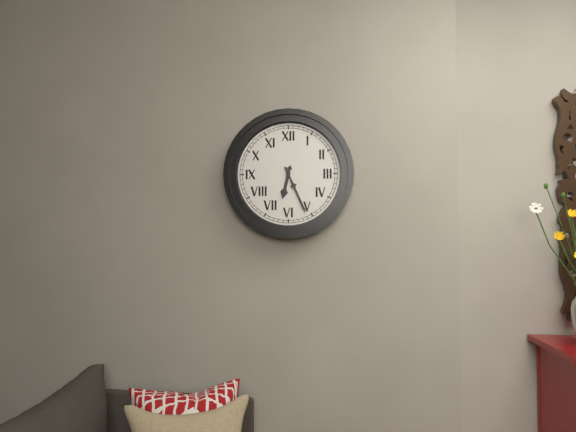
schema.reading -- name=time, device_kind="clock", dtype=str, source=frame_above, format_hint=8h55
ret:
6h26
